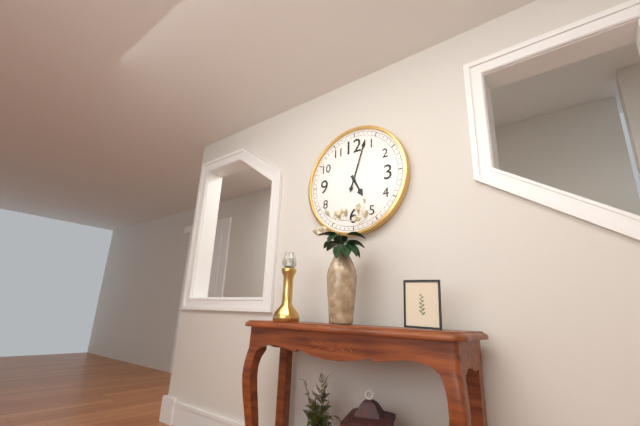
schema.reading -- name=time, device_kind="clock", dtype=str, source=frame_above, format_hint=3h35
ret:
5h03
